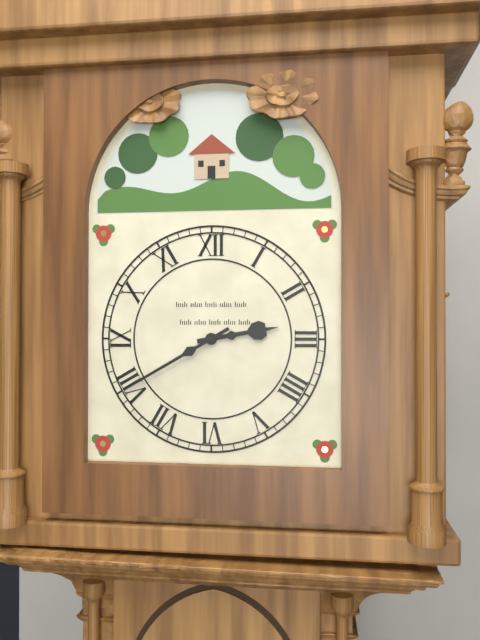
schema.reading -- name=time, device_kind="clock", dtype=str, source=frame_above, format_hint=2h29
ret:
2h40
